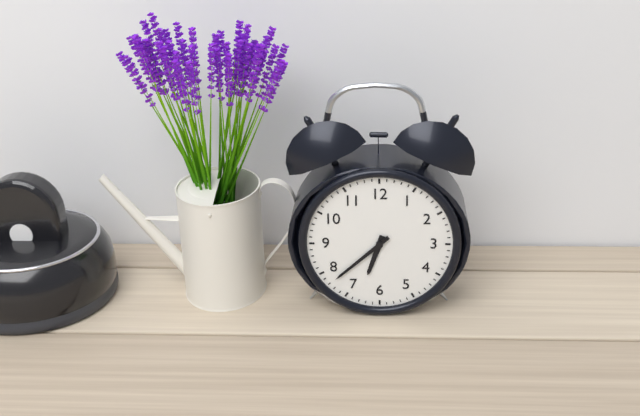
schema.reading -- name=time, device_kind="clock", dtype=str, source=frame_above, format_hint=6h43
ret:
6h38
